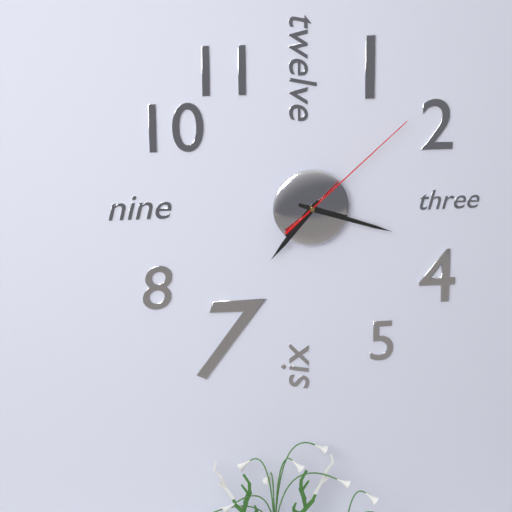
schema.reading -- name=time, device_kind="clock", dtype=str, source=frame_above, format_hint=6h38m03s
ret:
7h18m08s
